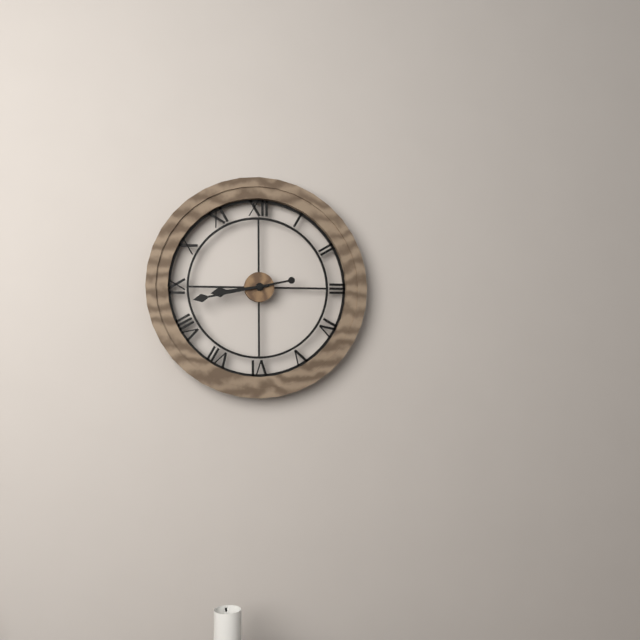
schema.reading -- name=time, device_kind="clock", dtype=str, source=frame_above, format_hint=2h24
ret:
8h43
